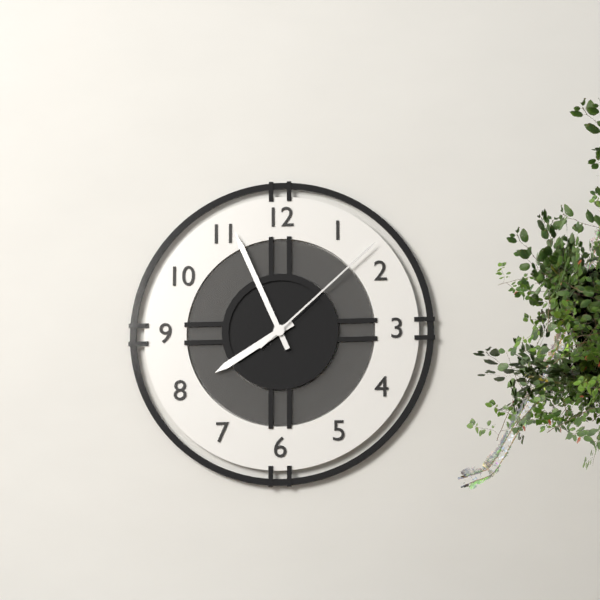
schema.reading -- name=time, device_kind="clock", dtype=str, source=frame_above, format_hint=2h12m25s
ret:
7h56m08s
